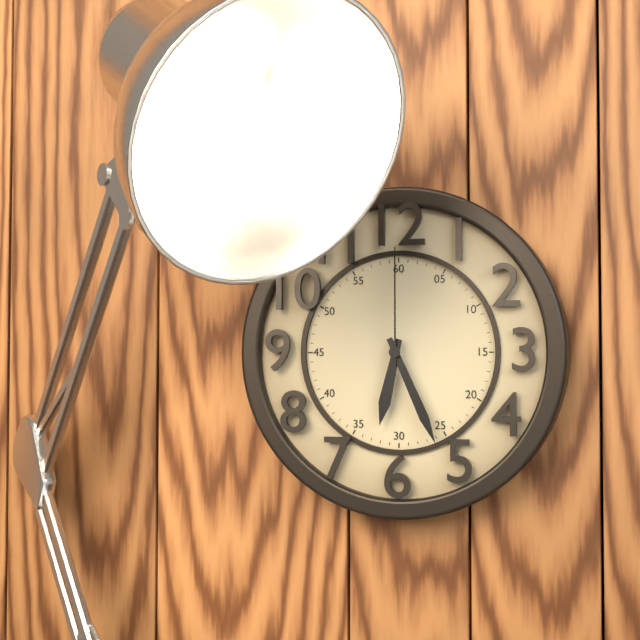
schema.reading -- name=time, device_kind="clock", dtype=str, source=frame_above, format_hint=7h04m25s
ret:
6h26m00s
